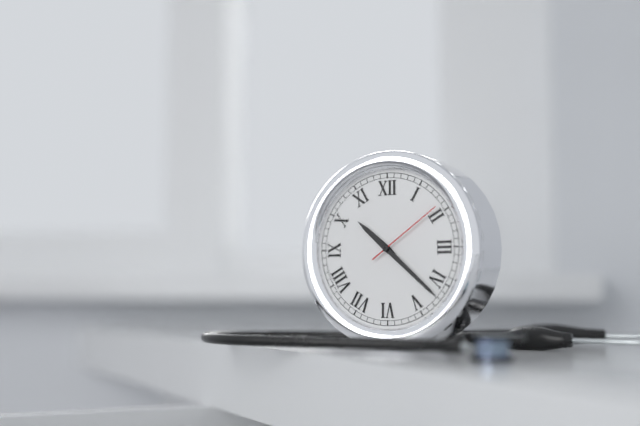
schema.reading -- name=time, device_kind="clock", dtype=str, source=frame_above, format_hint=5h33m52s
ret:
10h22m09s
